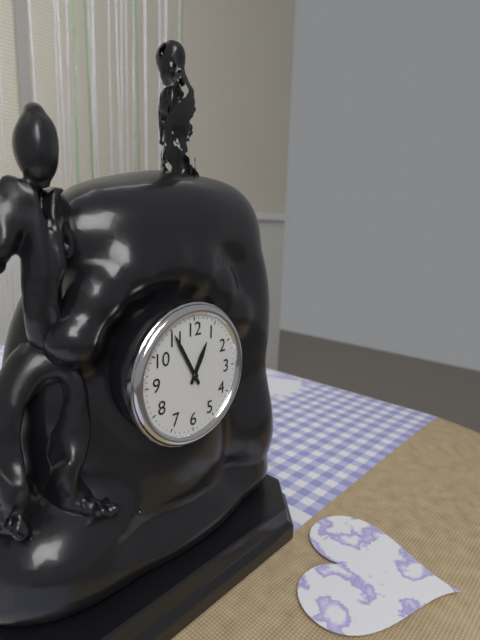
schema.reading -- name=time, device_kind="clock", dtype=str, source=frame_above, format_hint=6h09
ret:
12h55
